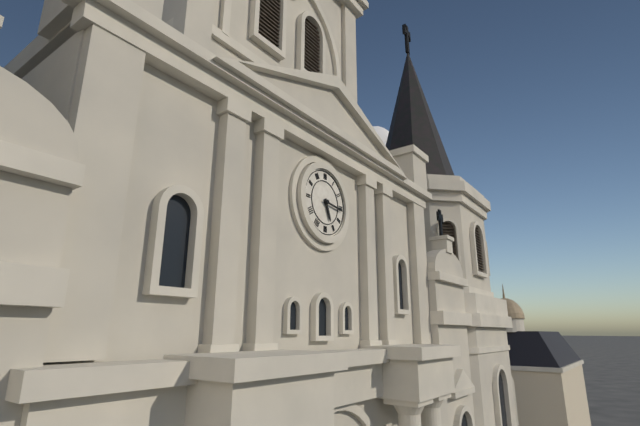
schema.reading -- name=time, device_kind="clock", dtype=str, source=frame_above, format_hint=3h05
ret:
5h16
